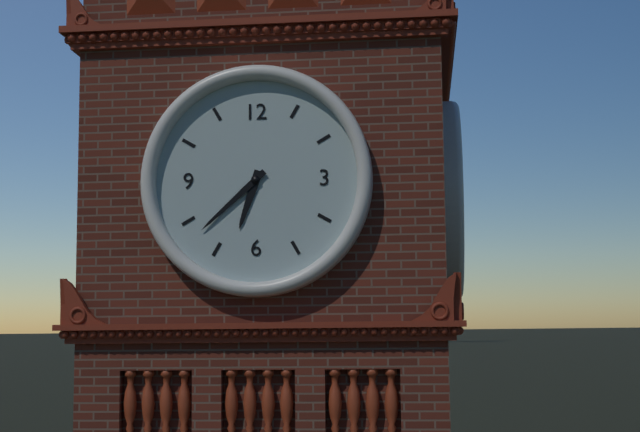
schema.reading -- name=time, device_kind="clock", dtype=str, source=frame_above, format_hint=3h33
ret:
6h38
